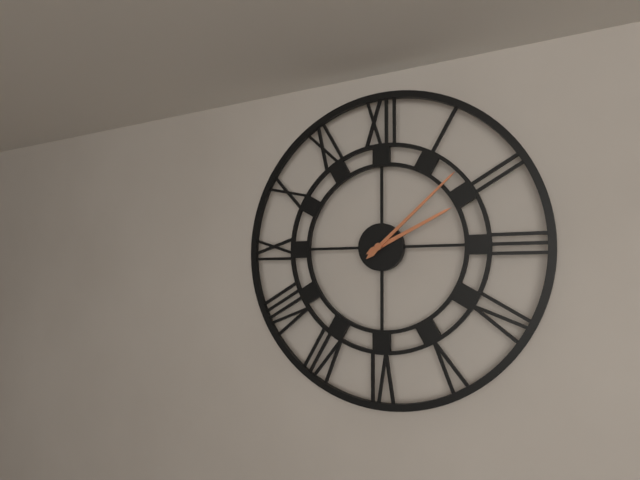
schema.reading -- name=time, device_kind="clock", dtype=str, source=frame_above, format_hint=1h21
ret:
2h08
